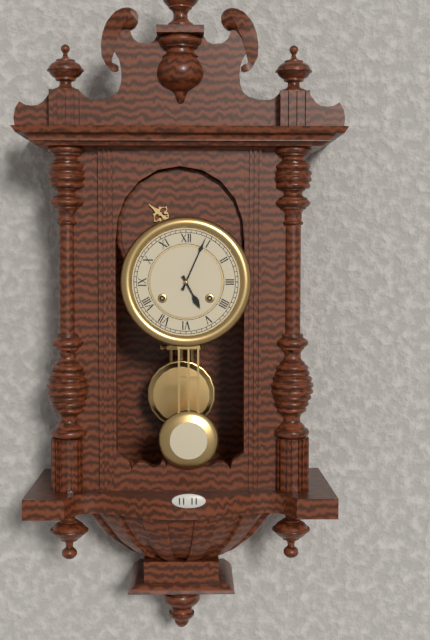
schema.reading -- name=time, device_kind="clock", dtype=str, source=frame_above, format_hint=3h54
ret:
5h04
